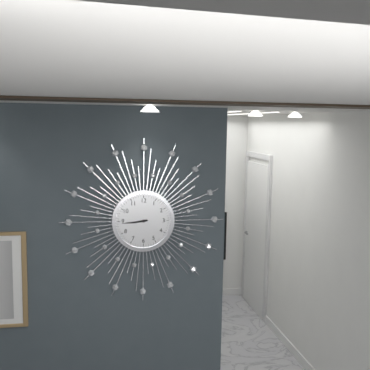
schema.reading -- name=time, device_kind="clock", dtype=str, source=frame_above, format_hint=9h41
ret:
8h44
